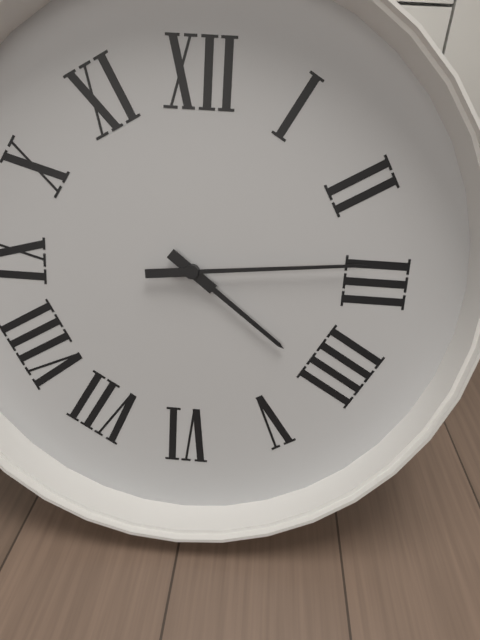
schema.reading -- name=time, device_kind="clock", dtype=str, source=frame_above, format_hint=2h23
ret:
4h14
